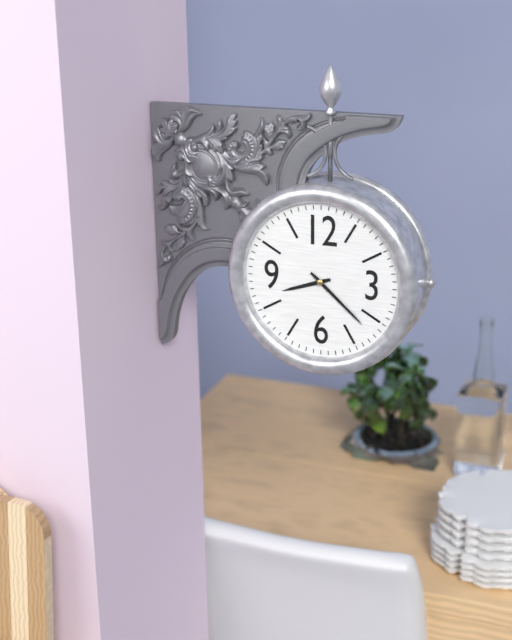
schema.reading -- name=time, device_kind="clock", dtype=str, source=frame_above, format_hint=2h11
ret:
8h22
